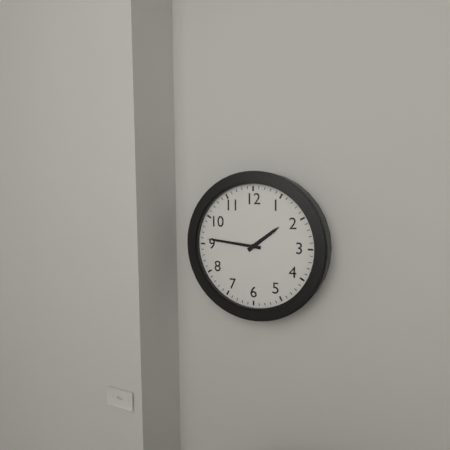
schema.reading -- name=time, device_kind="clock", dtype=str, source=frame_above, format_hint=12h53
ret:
1h46
